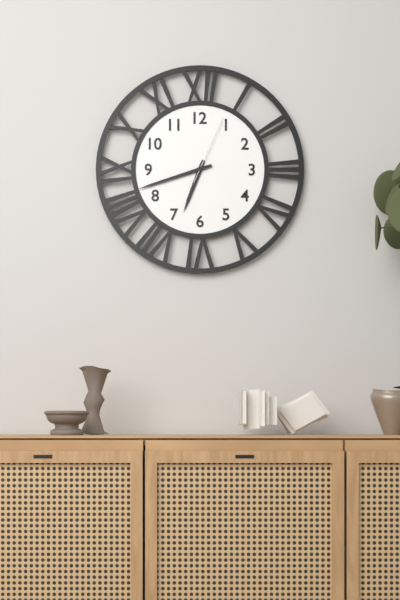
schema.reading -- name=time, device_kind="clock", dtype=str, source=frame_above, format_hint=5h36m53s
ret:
6h42m04s
